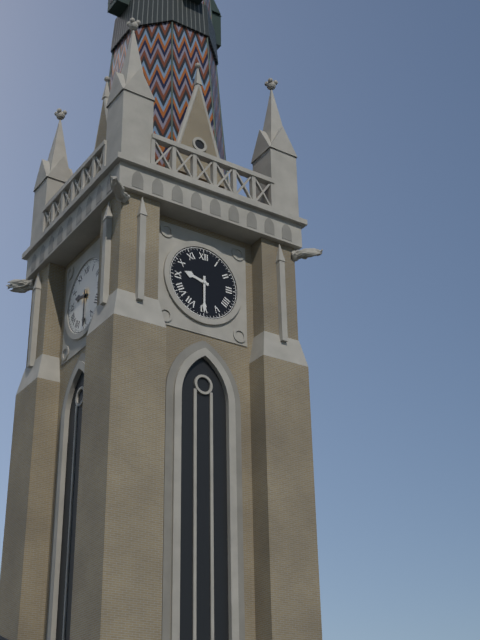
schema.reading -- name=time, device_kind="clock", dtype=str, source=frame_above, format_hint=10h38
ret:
9h30
